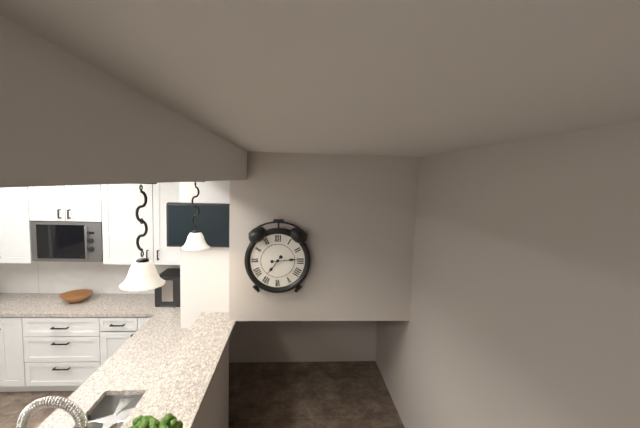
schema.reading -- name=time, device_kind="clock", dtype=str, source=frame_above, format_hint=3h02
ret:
7h14
